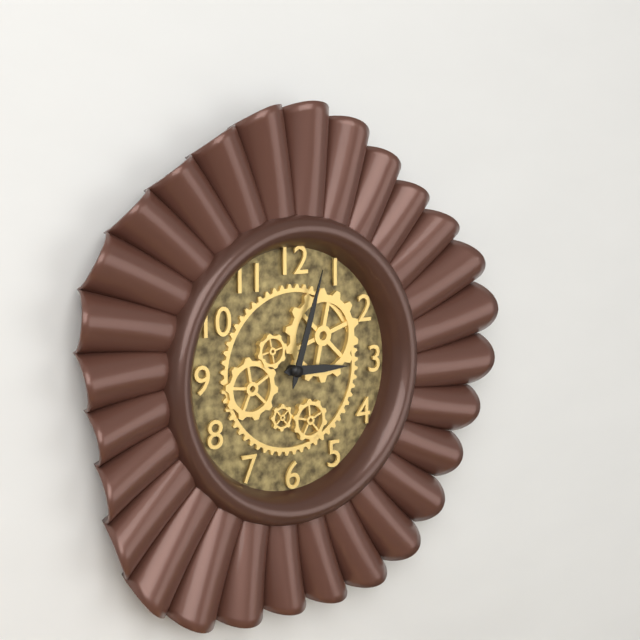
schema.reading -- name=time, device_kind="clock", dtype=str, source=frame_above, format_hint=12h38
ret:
3h03
